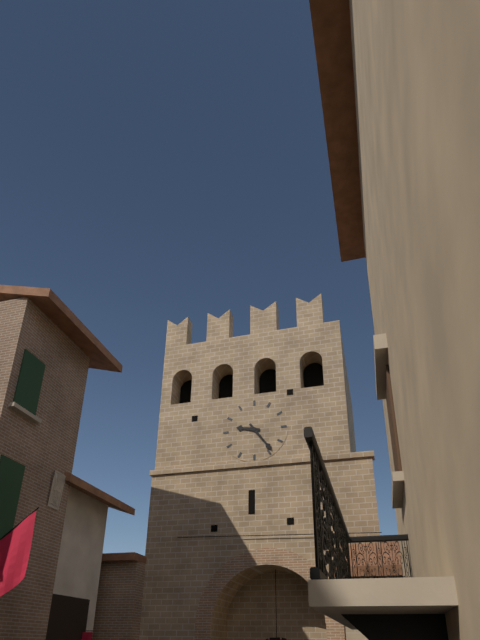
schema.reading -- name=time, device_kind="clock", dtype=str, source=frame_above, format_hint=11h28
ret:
9h24
